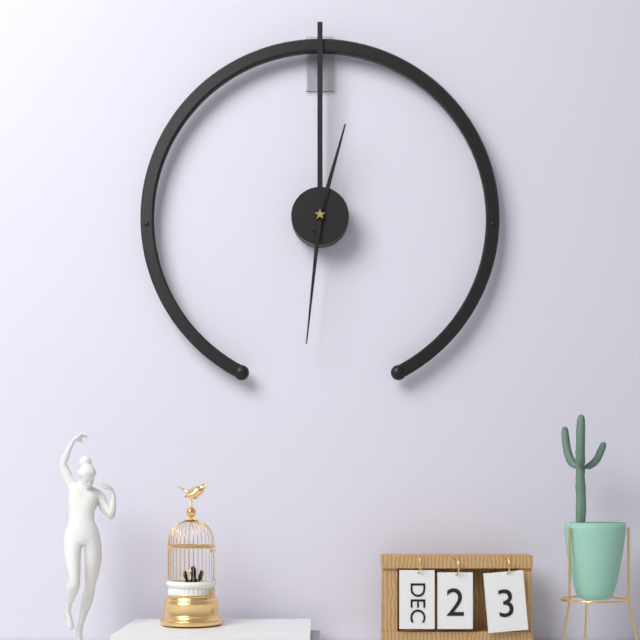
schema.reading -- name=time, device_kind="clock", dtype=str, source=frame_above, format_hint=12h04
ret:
12h31
